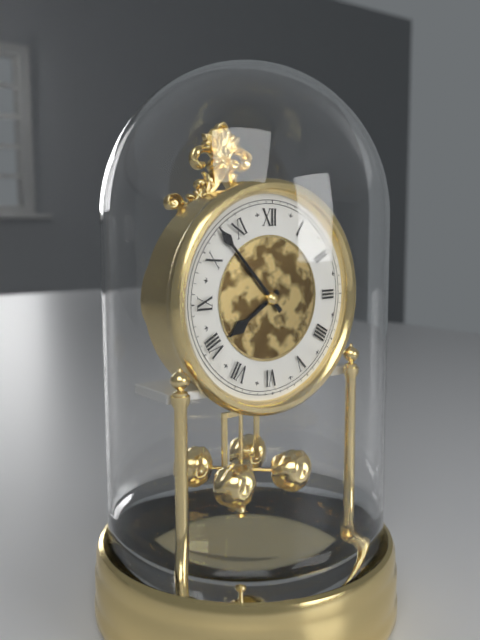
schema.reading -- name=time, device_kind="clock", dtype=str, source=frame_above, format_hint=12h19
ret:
7h53
